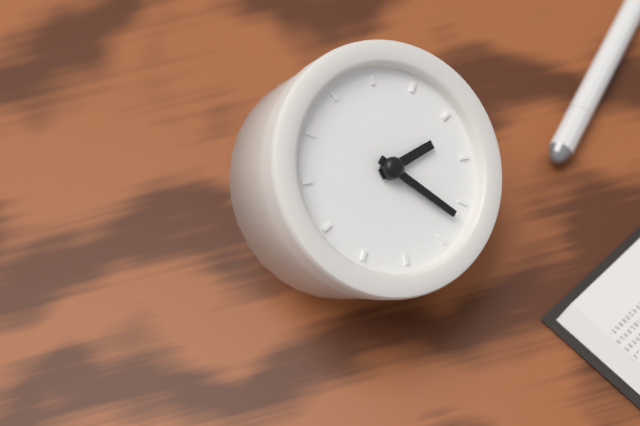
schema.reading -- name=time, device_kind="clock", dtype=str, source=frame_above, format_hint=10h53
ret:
2h22
